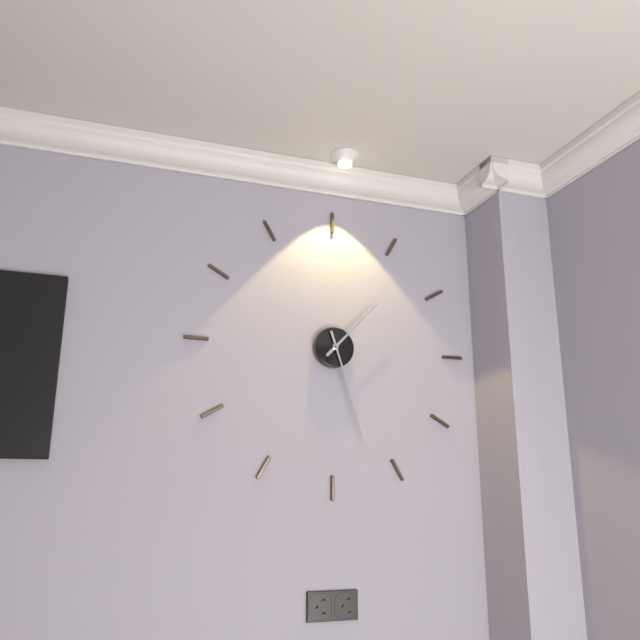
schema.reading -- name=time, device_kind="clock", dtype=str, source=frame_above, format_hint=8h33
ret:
1h27
